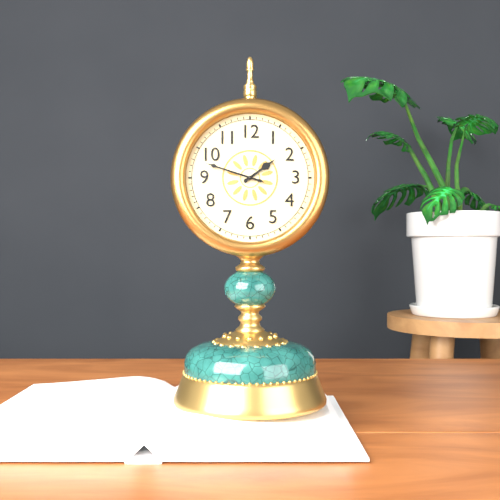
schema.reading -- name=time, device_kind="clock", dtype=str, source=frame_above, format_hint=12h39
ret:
1h48
